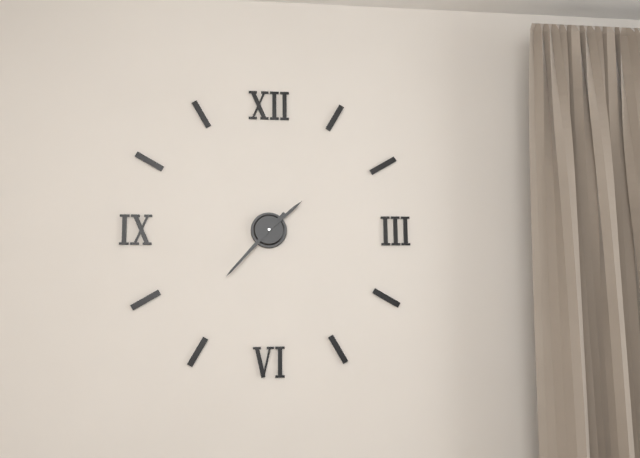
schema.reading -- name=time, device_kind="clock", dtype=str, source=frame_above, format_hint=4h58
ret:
1h37
